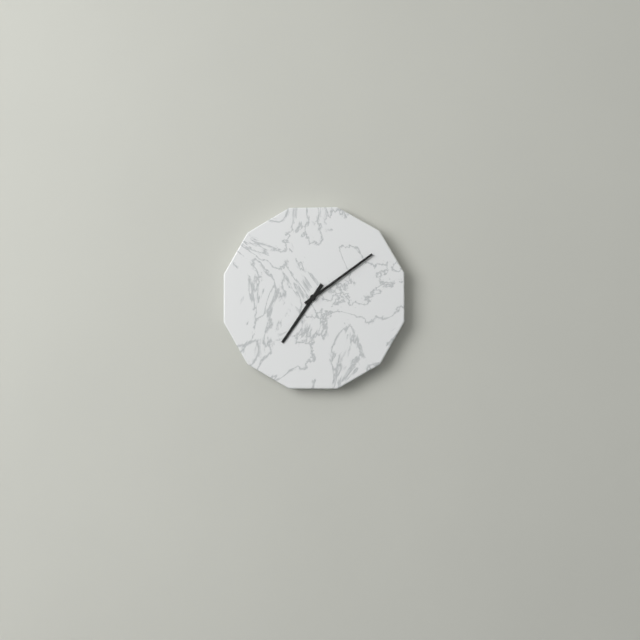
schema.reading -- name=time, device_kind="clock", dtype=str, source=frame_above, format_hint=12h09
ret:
7h09
